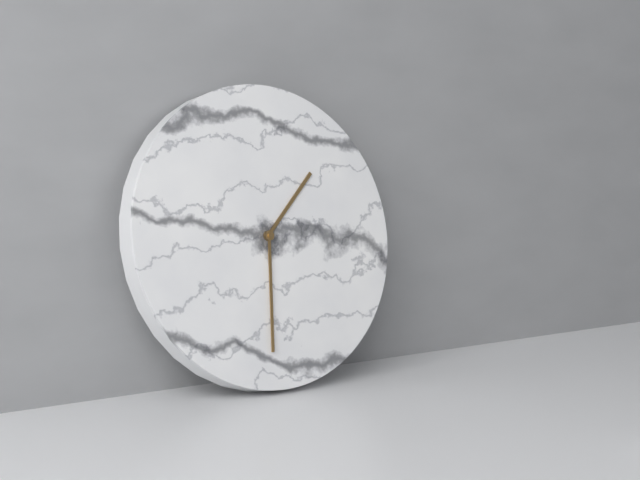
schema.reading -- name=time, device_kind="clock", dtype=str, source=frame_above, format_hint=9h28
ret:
1h31
